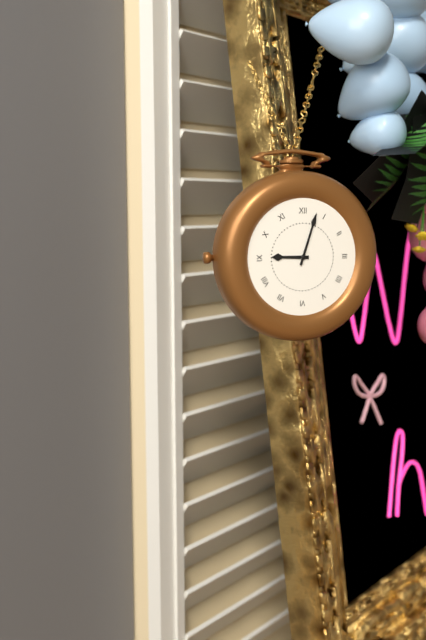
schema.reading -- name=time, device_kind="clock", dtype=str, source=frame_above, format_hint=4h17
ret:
9h03
